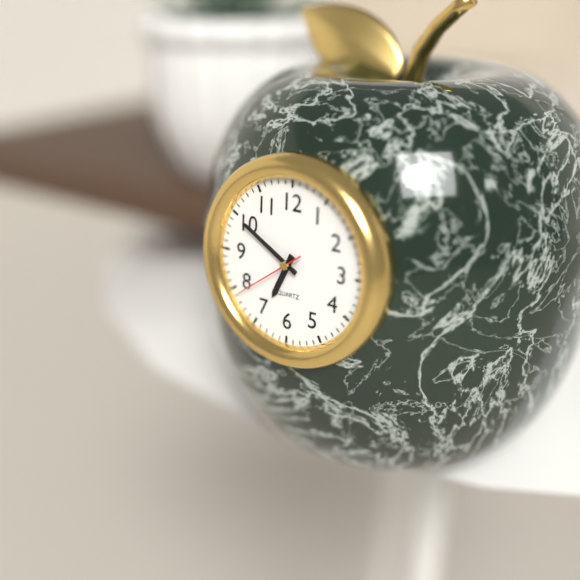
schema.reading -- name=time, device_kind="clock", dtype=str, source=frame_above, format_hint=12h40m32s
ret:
6h50m39s
